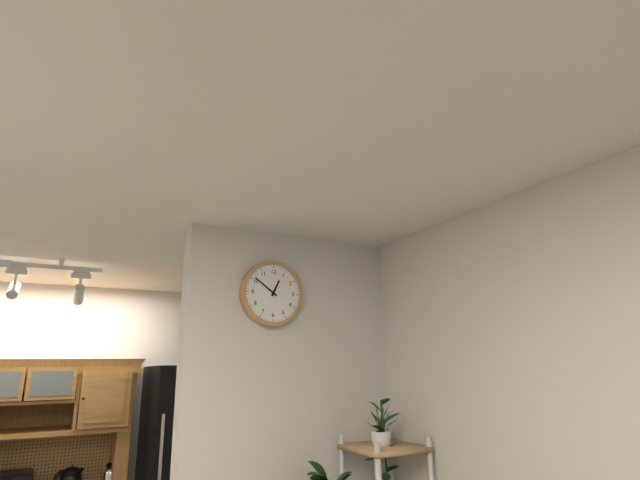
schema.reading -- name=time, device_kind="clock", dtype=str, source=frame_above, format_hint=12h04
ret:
12h51
